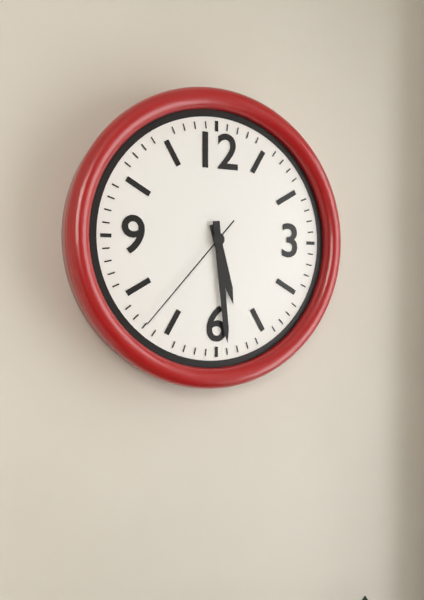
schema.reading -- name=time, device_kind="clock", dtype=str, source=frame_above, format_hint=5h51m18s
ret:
5h29m37s
